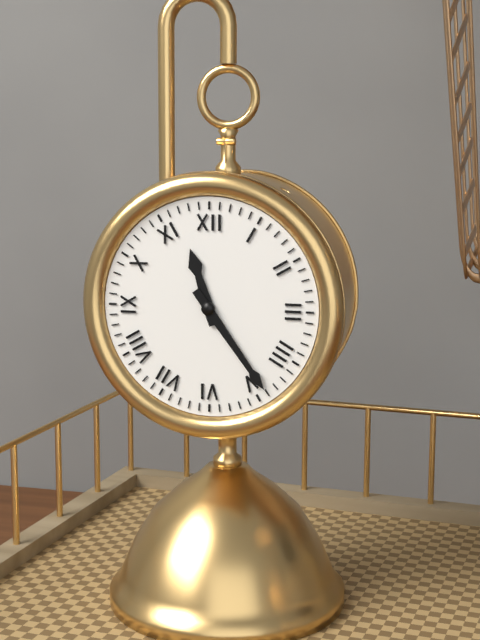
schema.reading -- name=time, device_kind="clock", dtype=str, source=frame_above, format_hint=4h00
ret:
11h24
